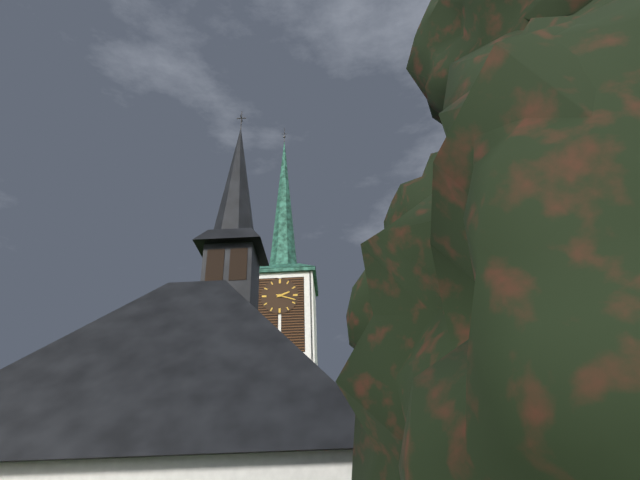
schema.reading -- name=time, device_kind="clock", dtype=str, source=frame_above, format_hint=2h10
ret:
2h18
